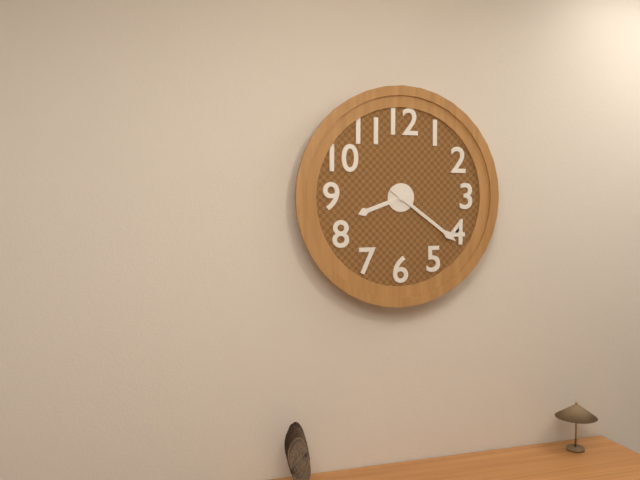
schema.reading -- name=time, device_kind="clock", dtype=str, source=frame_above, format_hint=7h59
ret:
8h21
